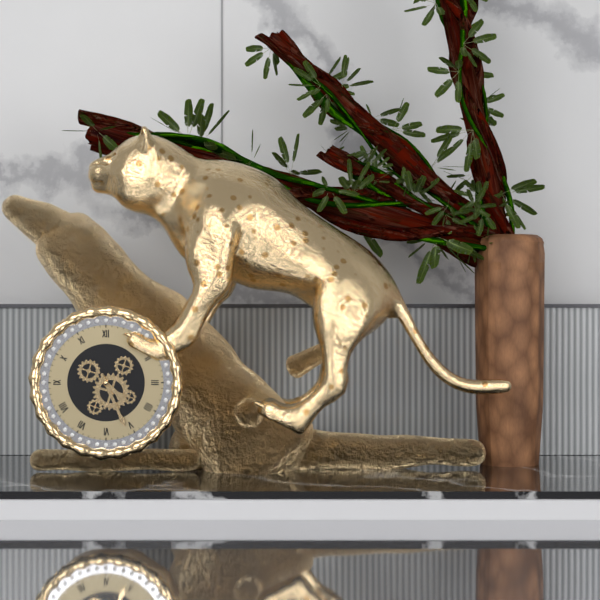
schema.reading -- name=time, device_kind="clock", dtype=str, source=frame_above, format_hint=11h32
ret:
4h26
